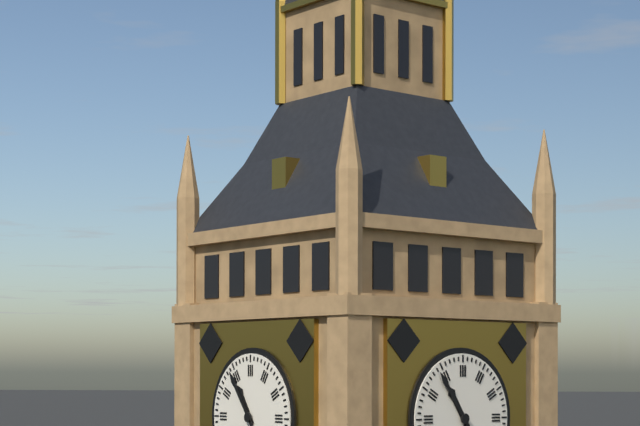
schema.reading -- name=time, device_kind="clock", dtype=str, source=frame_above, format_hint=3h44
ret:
10h54
